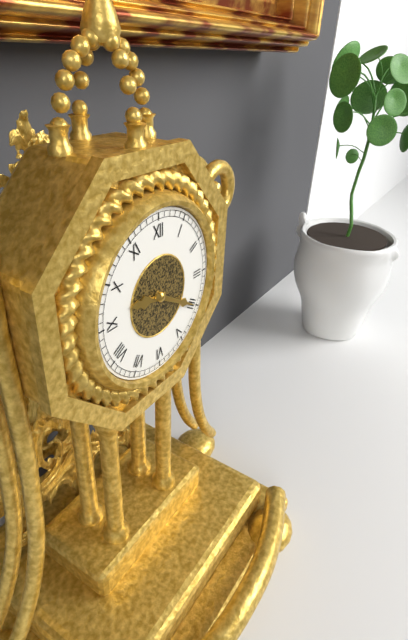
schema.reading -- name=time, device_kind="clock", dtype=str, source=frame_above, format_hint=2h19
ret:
9h20
